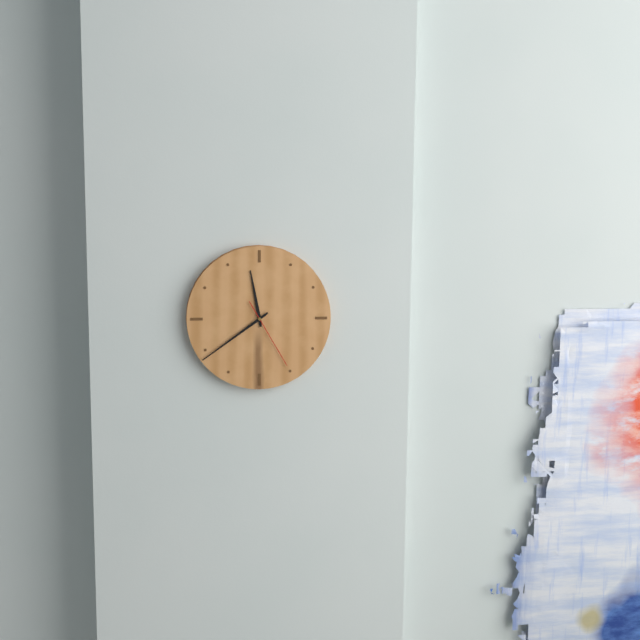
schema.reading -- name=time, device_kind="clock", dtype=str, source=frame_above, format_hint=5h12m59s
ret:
11h39m25s
